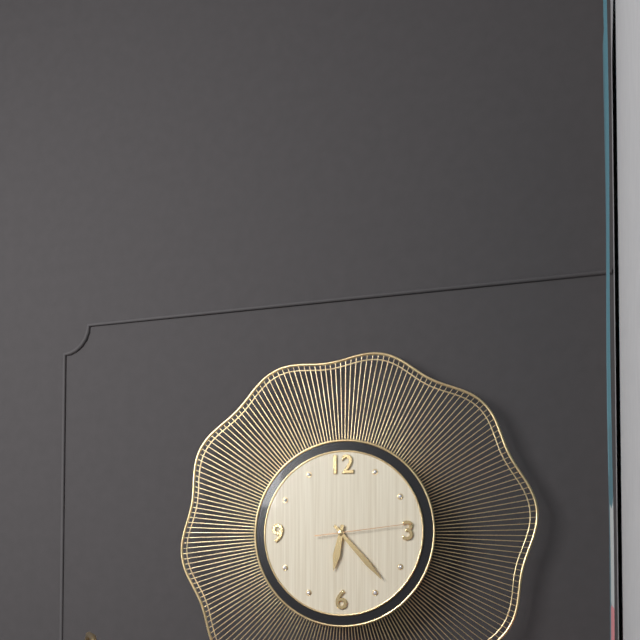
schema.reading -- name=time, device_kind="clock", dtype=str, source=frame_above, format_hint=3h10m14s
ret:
6h23m14s
